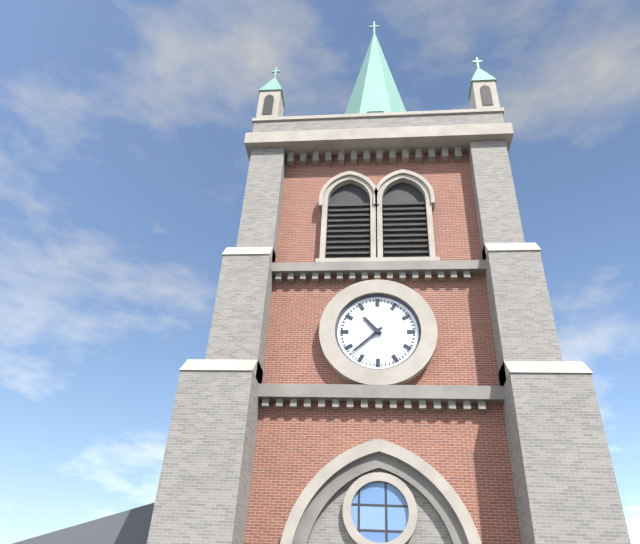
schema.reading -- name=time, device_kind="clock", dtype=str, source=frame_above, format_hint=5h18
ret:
10h38
